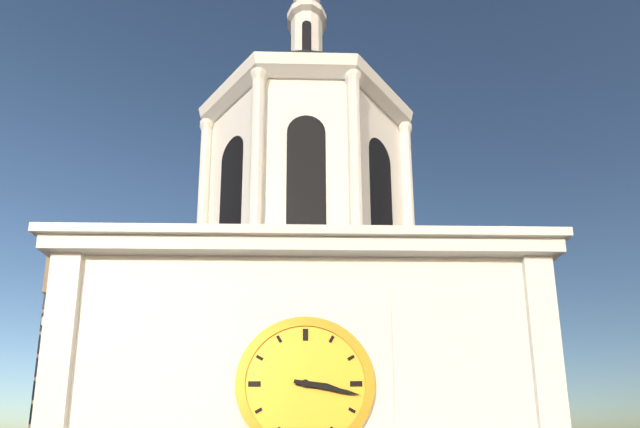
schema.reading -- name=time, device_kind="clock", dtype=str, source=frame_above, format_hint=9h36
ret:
3h17
